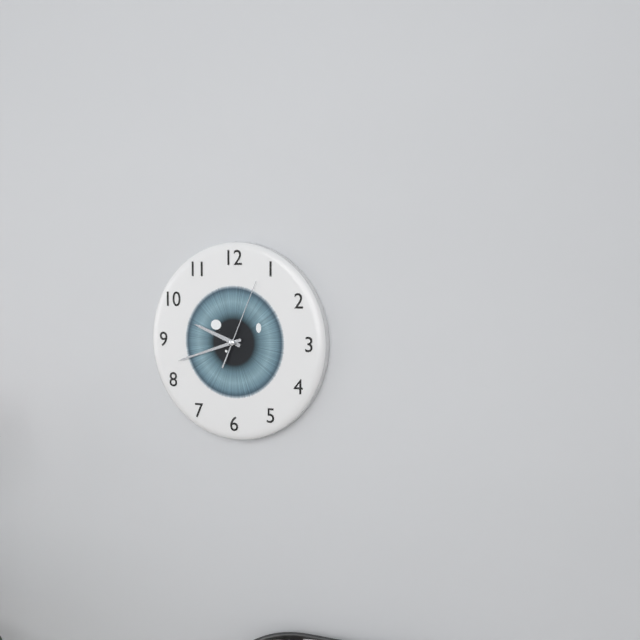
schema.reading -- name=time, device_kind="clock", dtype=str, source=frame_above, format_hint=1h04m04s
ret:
9h42m04s
